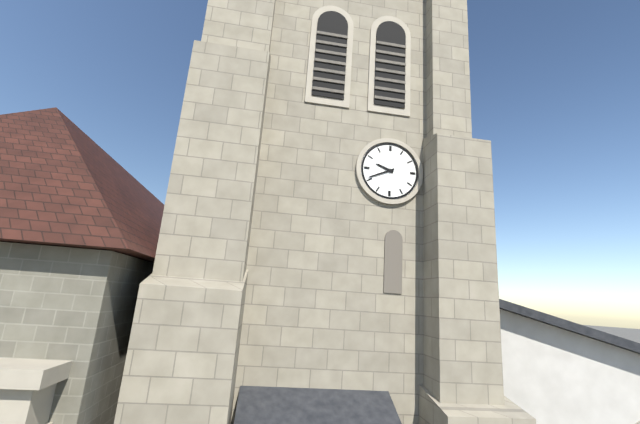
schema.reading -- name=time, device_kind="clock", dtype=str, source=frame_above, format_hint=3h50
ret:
9h41
